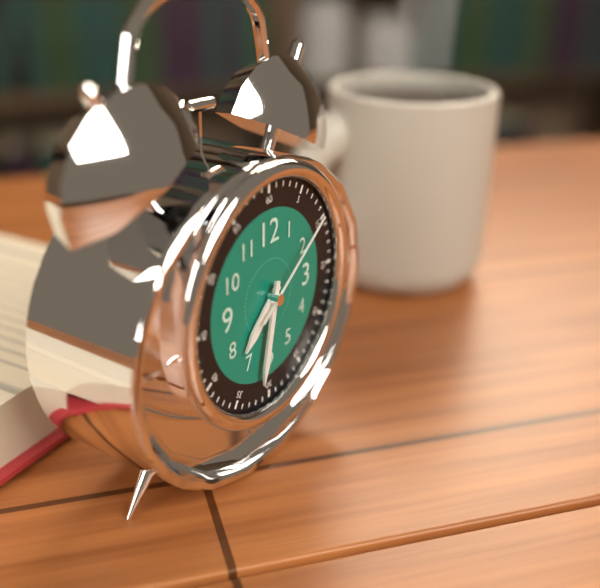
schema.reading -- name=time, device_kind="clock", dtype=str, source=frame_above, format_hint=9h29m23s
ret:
7h32m09s
